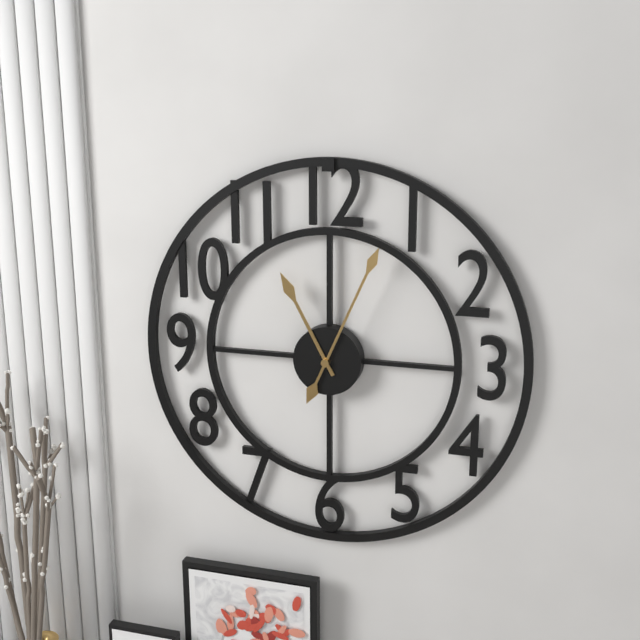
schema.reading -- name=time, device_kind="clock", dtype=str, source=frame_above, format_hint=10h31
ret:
11h04
